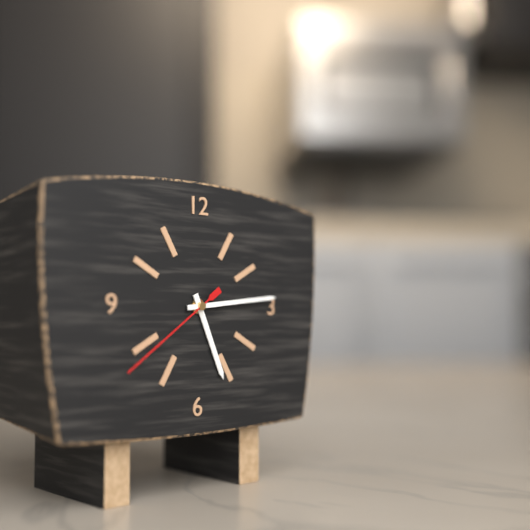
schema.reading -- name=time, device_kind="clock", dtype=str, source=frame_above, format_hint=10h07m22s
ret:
5h14m39s
